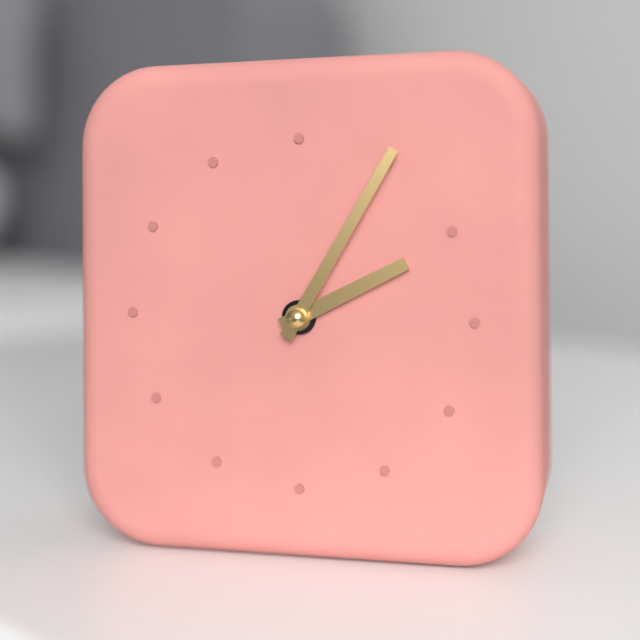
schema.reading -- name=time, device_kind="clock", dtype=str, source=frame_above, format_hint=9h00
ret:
2h05
